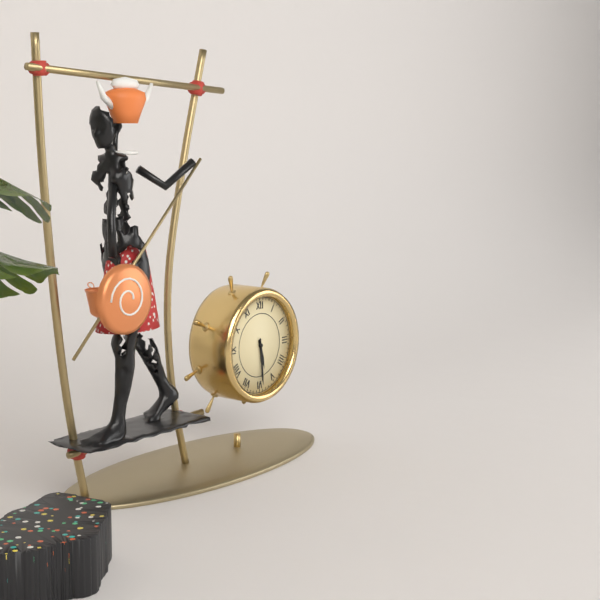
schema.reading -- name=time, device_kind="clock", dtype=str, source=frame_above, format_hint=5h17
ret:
5h29
